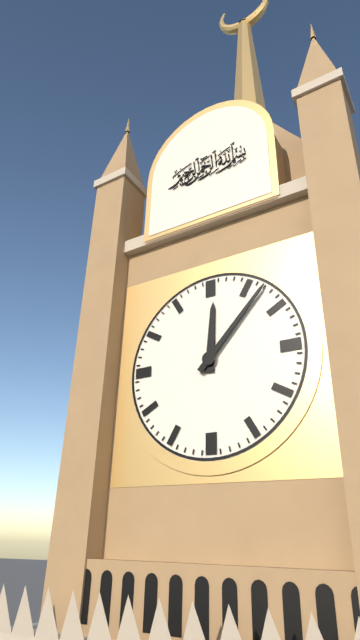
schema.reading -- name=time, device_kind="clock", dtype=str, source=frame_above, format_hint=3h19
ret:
12h07
